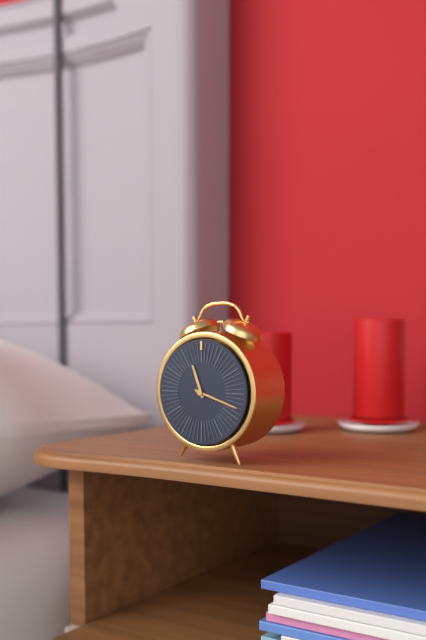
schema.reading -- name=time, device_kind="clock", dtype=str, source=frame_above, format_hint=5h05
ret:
11h18
